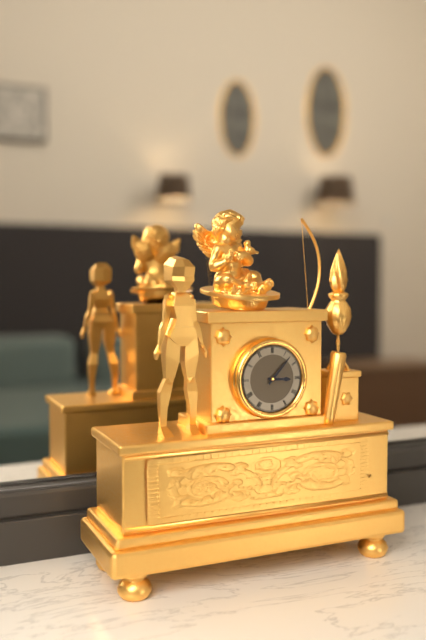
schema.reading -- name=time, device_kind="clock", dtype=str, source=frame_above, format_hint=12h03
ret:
3h07
